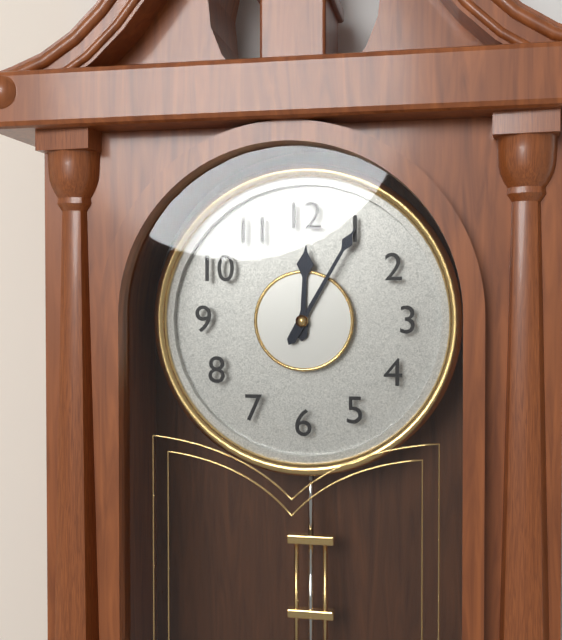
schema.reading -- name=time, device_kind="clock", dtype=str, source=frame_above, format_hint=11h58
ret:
12h05
